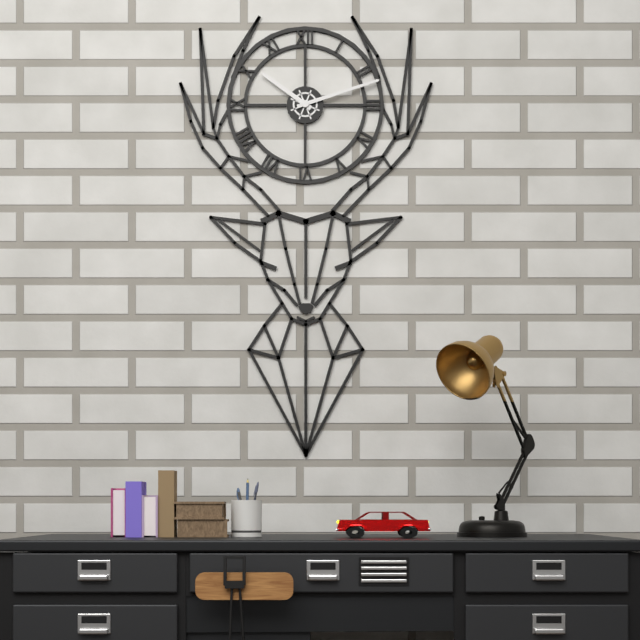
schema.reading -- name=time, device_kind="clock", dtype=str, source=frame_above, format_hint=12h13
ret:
10h12
